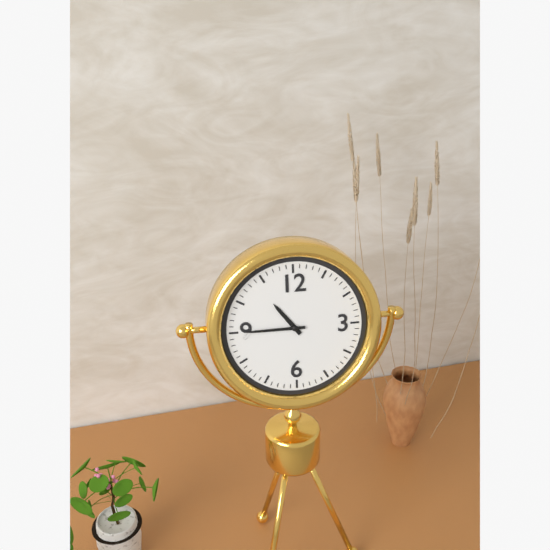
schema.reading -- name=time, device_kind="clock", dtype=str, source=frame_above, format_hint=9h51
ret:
10h45
